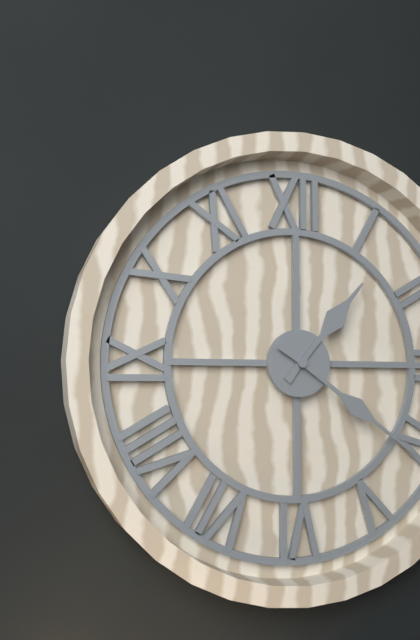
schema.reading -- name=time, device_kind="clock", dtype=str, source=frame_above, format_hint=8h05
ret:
1h21
